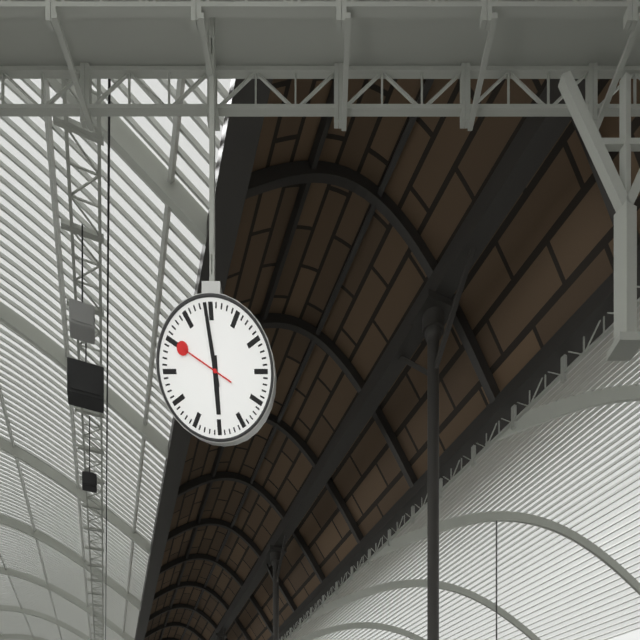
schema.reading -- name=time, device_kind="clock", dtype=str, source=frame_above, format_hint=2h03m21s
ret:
5h59m50s
